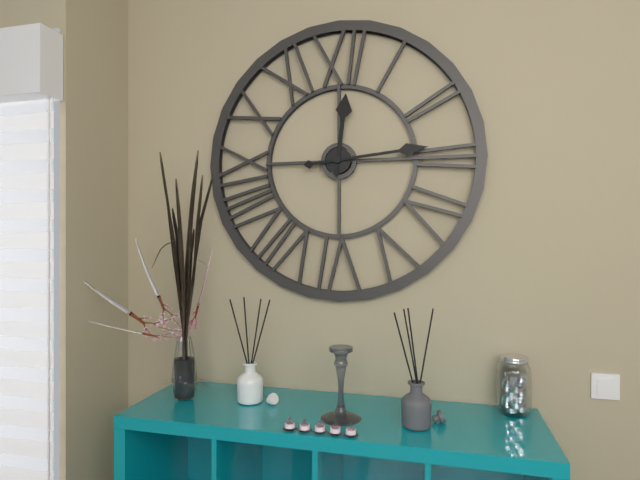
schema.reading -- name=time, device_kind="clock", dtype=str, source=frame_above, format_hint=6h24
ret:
12h14
